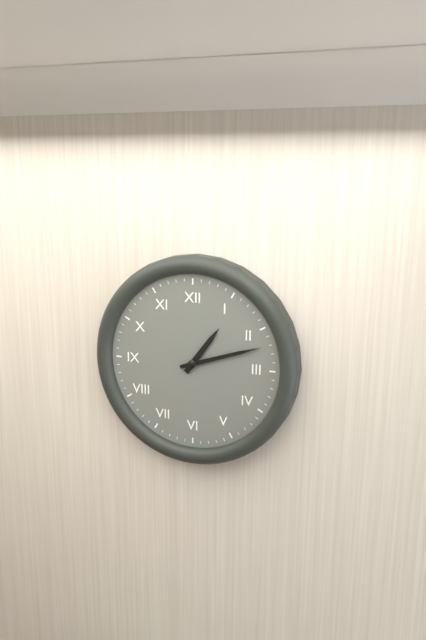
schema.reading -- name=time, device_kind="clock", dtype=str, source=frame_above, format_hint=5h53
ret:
1h12
